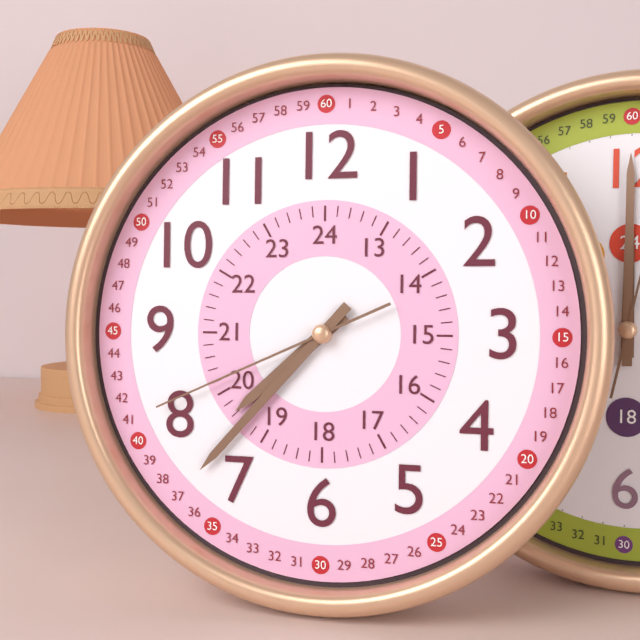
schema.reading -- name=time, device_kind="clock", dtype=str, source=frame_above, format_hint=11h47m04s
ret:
7h37m41s
